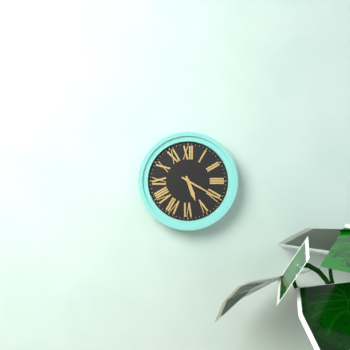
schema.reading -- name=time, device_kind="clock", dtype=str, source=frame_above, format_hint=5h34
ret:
5h20
